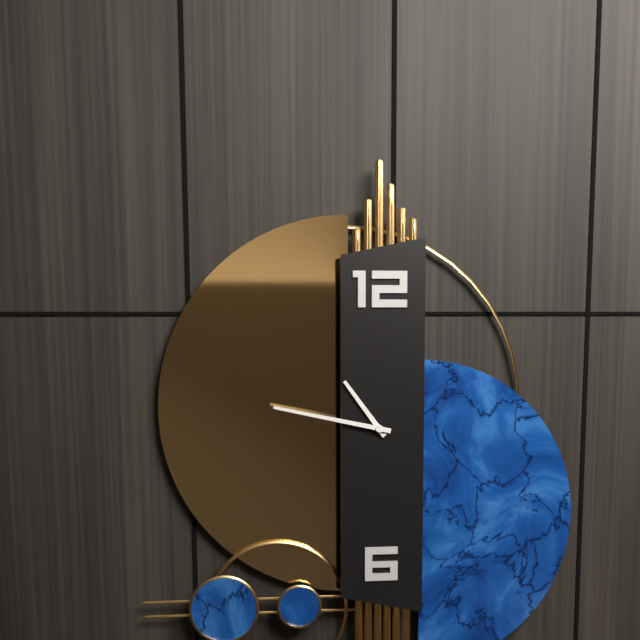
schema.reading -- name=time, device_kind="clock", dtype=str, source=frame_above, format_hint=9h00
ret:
10h47
